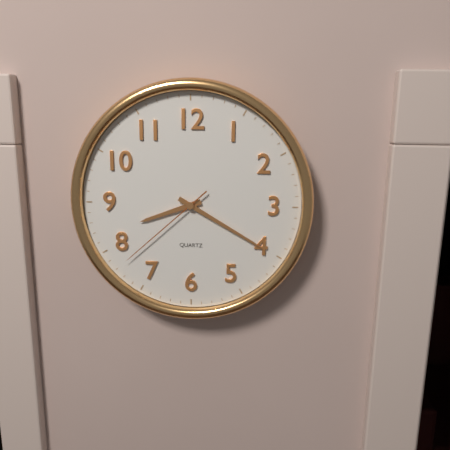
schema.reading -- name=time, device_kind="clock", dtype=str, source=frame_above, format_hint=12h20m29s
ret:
8h20m38s
